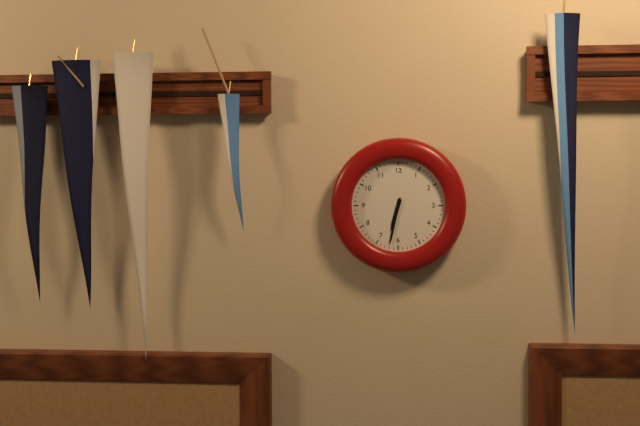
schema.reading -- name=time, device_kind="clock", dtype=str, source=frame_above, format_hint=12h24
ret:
6h32
